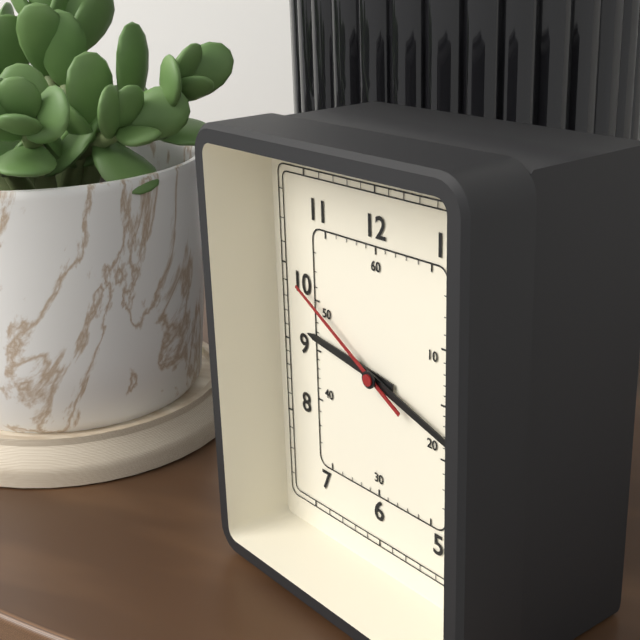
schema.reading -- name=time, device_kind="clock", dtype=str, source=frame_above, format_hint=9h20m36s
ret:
9h18m50s
